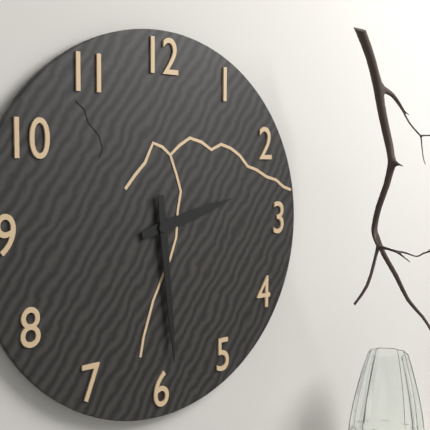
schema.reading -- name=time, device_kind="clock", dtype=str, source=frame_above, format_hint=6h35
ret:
2h29
